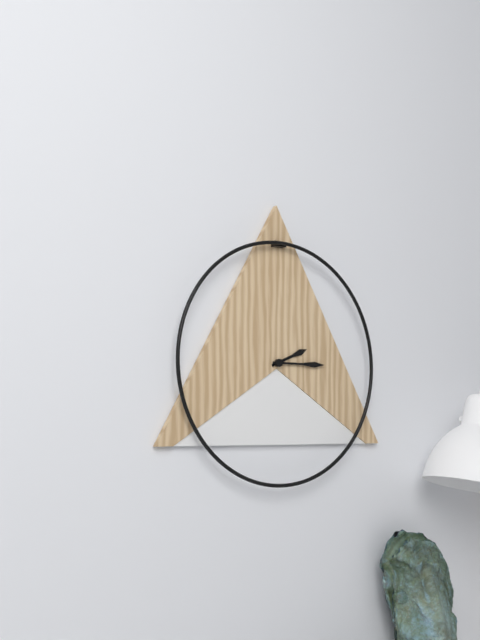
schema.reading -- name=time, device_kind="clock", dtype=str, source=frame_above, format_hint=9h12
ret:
2h15
